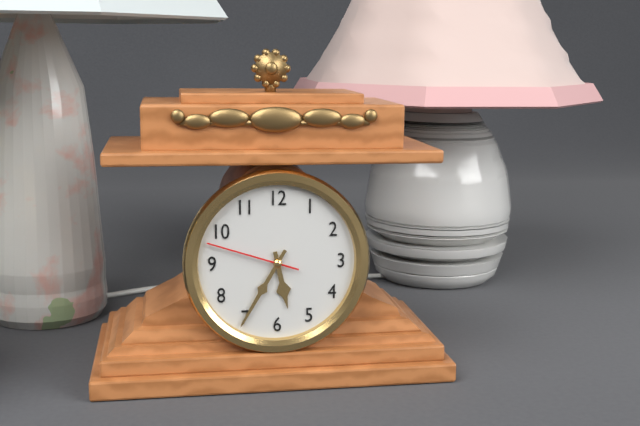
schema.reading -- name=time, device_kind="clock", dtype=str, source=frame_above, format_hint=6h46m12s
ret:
5h35m48s
